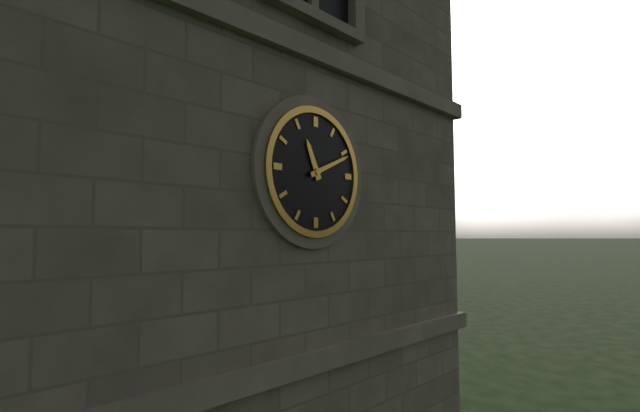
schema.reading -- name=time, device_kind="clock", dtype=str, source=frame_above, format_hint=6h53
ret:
11h11
